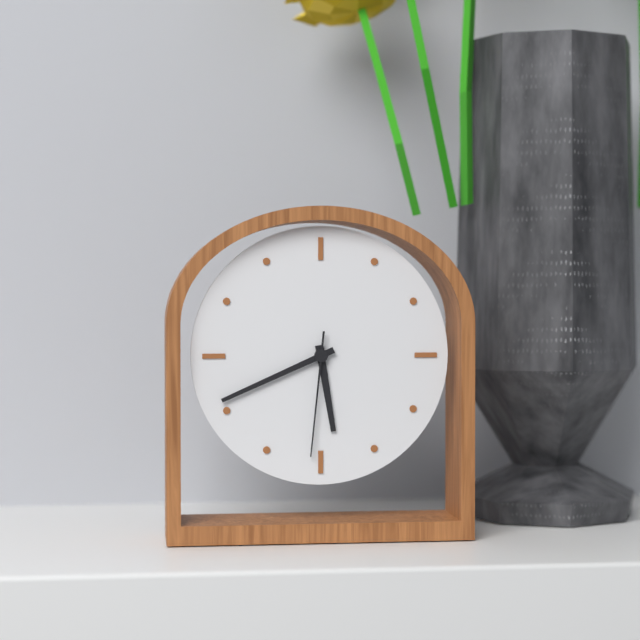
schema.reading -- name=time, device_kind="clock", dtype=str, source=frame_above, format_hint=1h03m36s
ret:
5h41m31s
